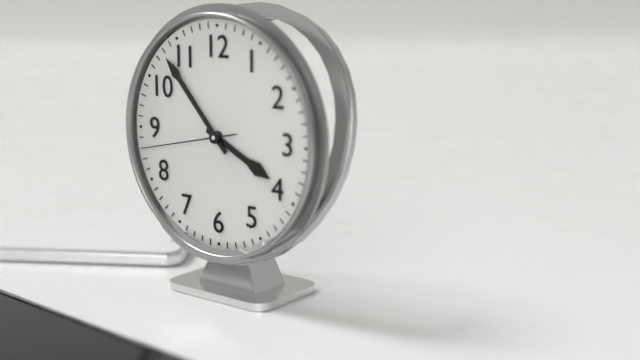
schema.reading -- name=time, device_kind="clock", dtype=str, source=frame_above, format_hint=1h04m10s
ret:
3h53m43s
